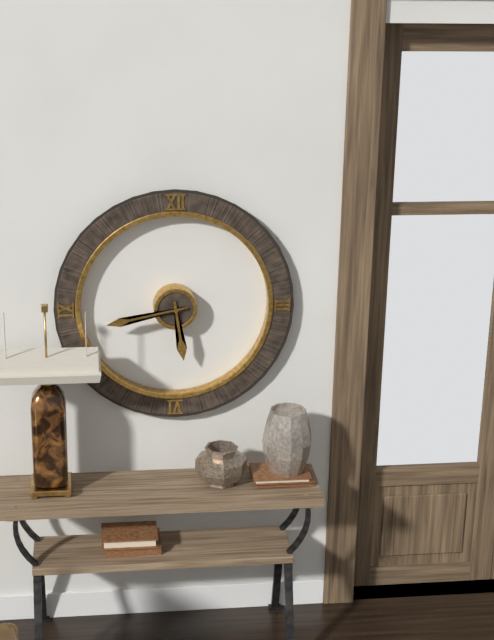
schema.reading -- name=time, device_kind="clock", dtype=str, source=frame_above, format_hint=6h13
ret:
5h43
